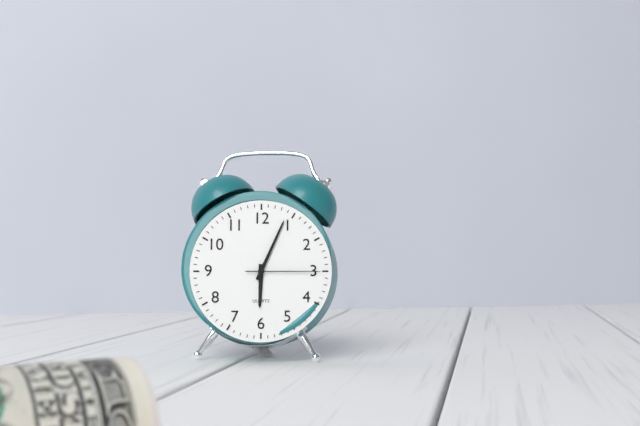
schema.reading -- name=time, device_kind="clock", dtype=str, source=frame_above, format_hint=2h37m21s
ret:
6h04m15s
